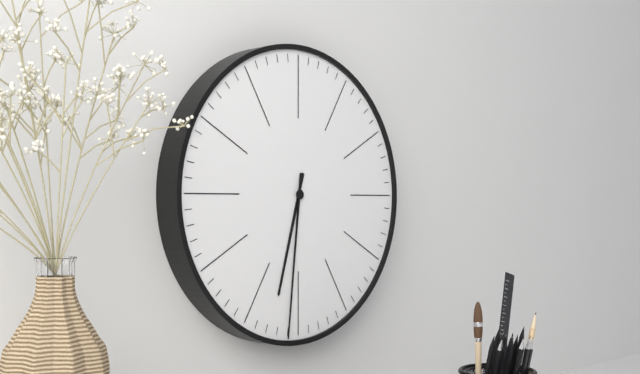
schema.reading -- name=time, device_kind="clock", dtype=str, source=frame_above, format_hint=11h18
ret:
6h31
